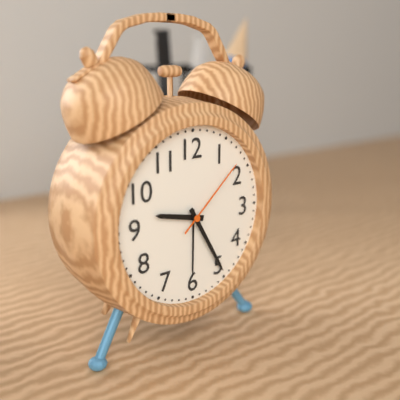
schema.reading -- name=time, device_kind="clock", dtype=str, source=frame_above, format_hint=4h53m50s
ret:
9h25m08s
